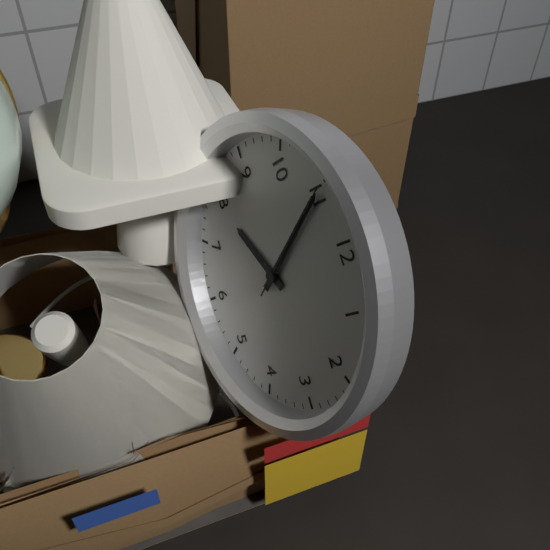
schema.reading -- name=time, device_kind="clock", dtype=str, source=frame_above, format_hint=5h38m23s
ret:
7h55m55s
